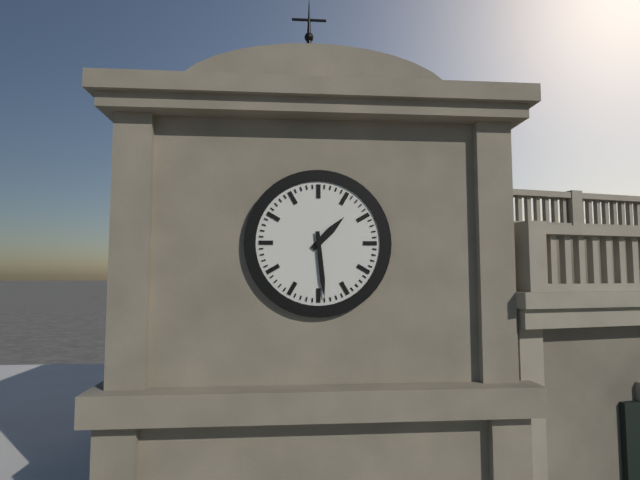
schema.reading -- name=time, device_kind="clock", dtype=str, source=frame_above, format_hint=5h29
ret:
1h29
